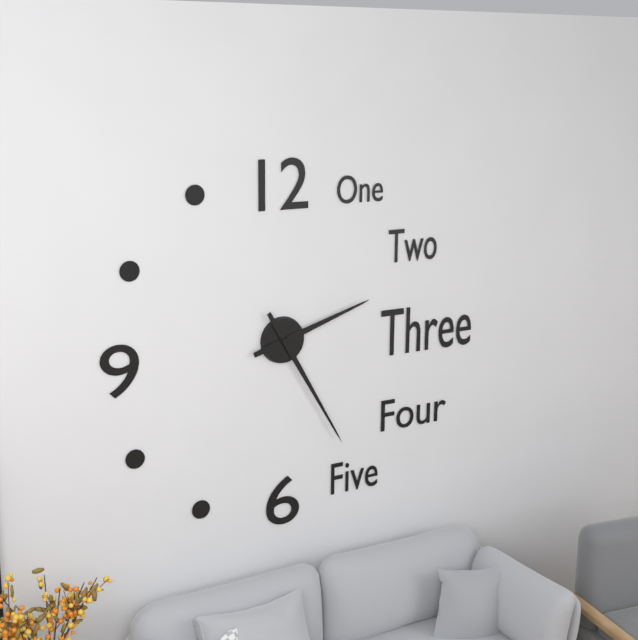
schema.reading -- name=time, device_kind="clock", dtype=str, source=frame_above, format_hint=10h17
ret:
2h25
